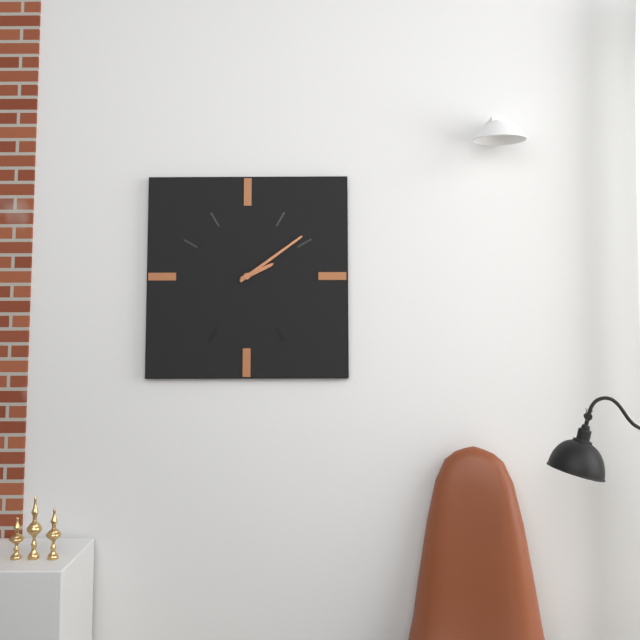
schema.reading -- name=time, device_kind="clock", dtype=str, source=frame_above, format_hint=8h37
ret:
2h09
